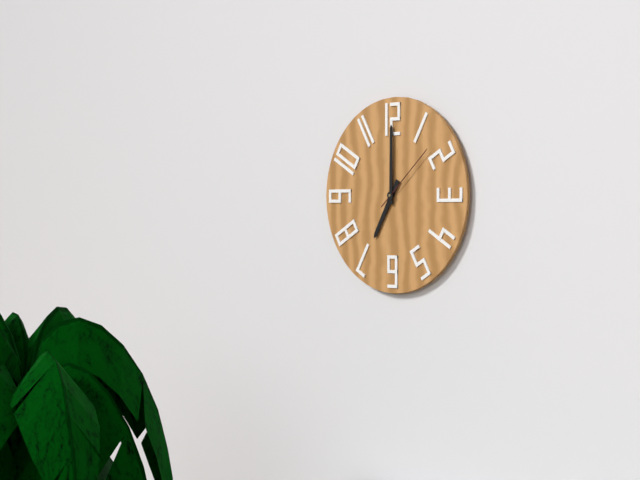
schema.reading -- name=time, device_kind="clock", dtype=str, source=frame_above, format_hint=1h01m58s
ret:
7h00m08s
